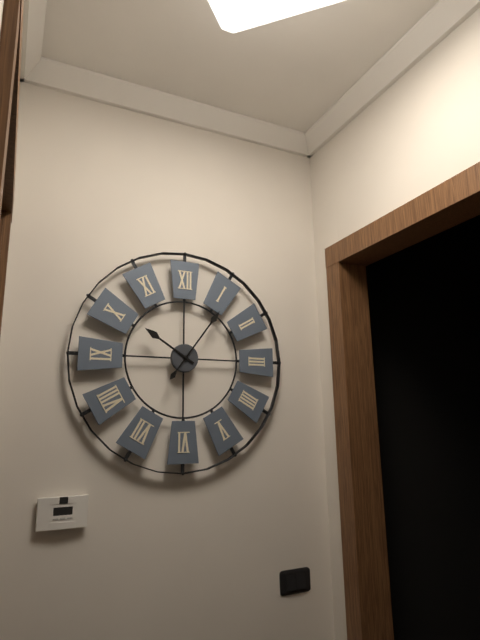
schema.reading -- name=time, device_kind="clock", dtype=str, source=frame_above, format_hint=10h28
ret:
10h06
